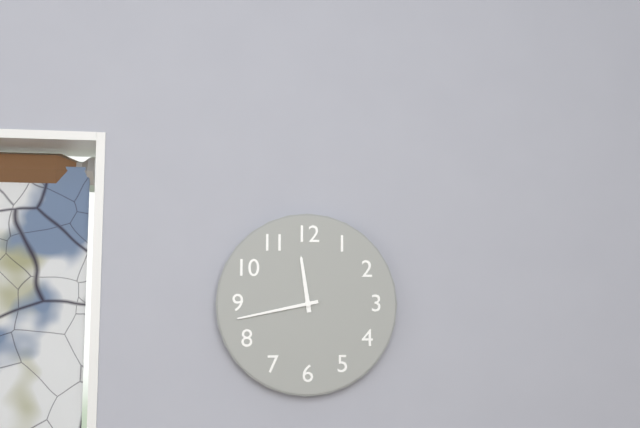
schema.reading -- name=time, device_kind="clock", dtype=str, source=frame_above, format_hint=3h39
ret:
11h43
